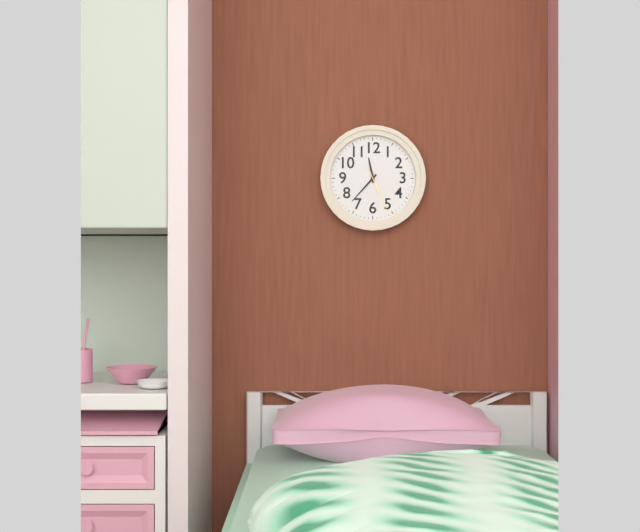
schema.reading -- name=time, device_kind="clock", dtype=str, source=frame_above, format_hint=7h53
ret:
11h37
